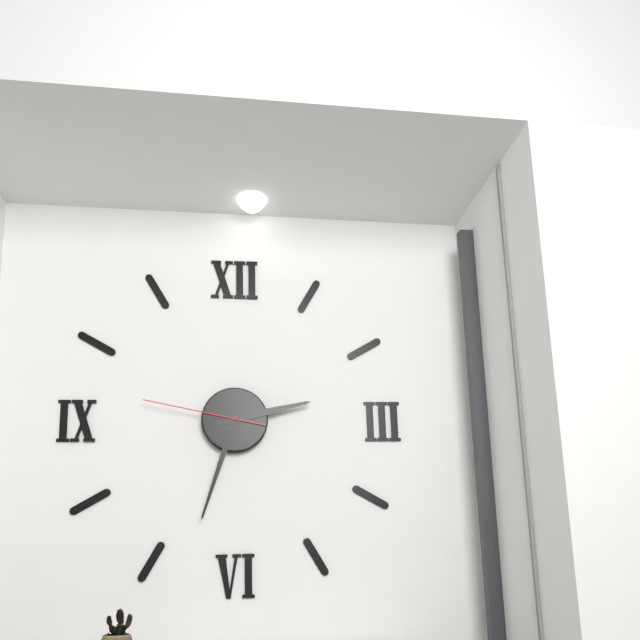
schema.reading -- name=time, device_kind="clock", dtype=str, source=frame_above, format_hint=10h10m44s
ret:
2h33m47s
